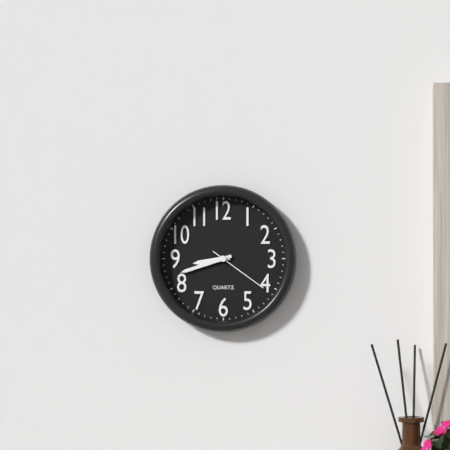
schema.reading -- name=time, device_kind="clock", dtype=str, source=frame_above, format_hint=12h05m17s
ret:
8h42m21s
